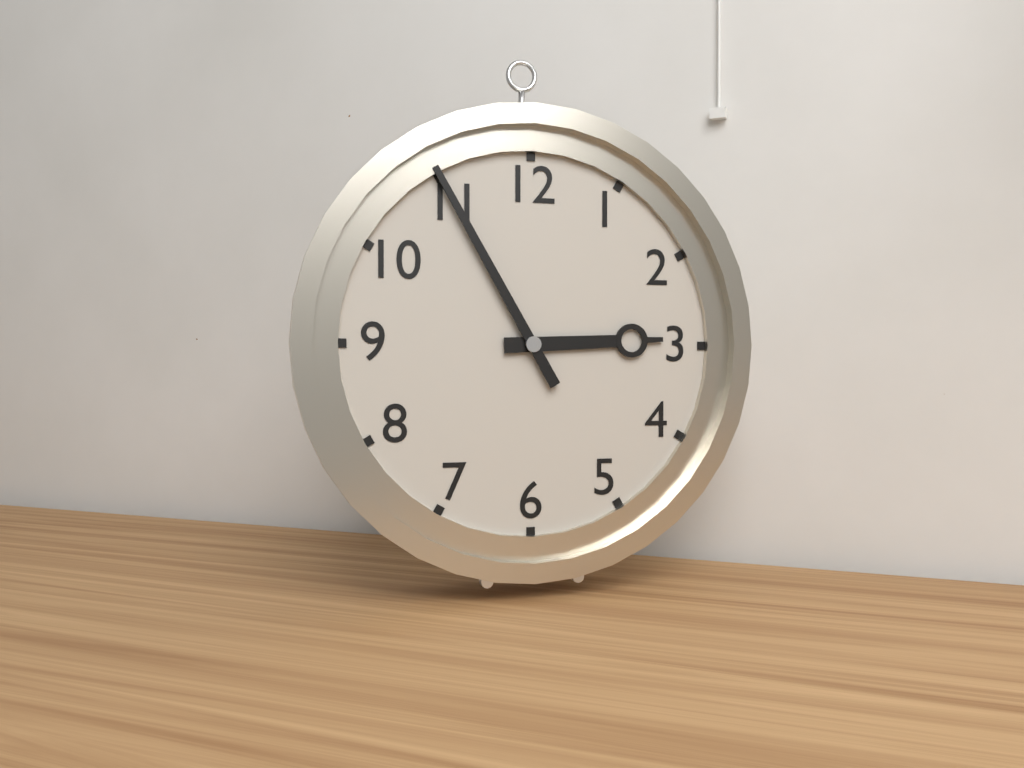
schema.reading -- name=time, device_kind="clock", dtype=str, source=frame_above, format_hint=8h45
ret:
2h55
